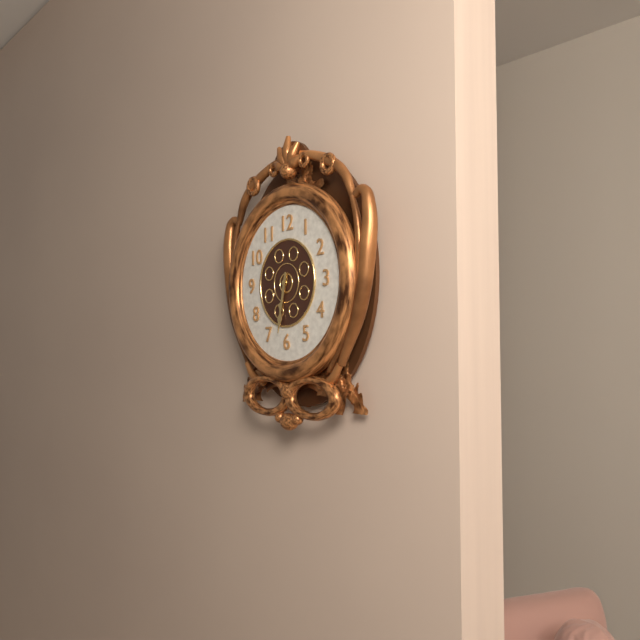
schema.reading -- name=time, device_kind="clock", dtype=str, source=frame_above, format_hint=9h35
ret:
6h32
